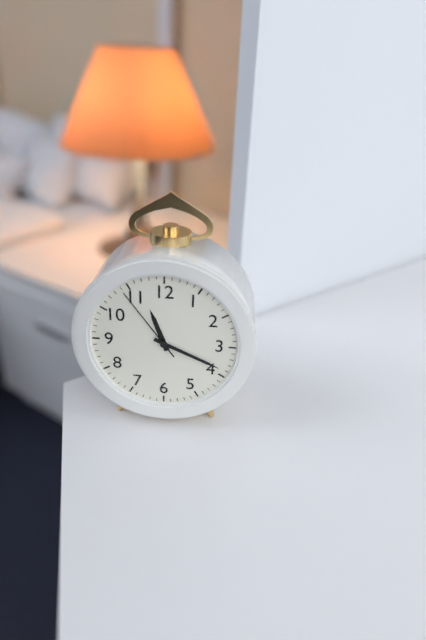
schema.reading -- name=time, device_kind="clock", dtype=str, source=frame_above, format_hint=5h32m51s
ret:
11h19m54s
